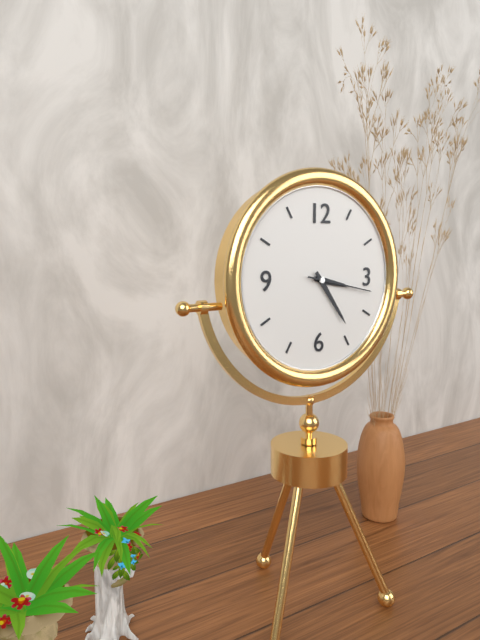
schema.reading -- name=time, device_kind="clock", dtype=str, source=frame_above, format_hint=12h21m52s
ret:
3h24m17s
